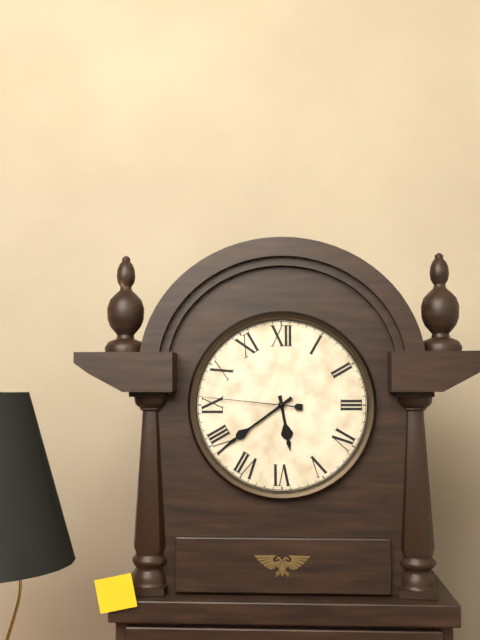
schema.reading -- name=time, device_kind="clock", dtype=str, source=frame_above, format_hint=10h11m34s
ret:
5h39m46s
